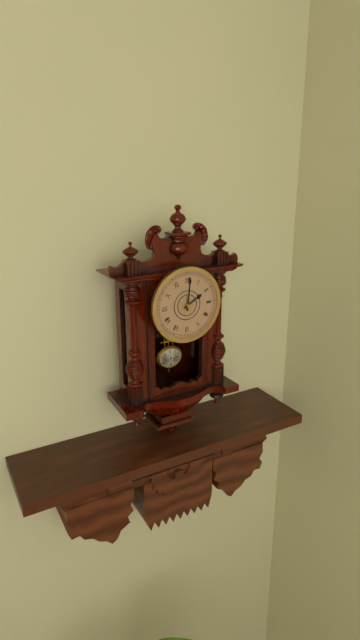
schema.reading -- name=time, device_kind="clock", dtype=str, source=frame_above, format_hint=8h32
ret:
2h01
